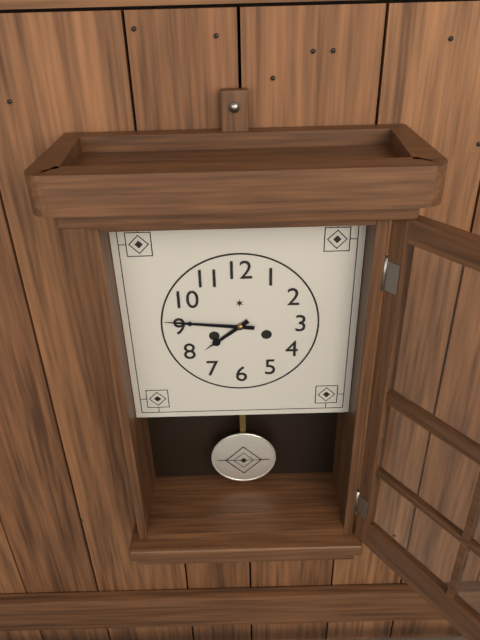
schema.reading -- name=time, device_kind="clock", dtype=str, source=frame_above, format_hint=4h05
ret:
7h46
